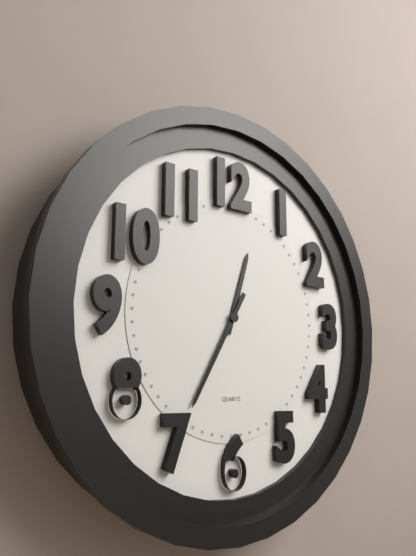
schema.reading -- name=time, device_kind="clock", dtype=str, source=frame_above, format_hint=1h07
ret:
12h35
